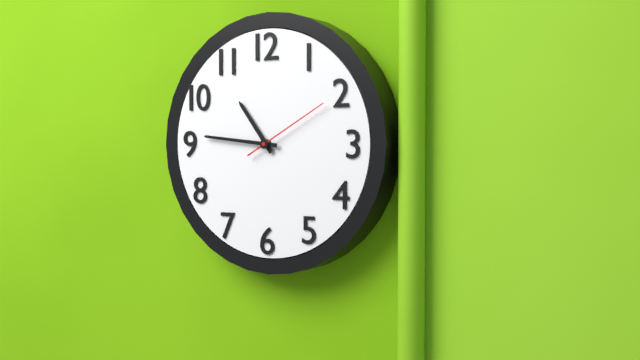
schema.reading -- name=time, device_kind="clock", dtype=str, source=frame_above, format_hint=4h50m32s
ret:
10h46m10s
